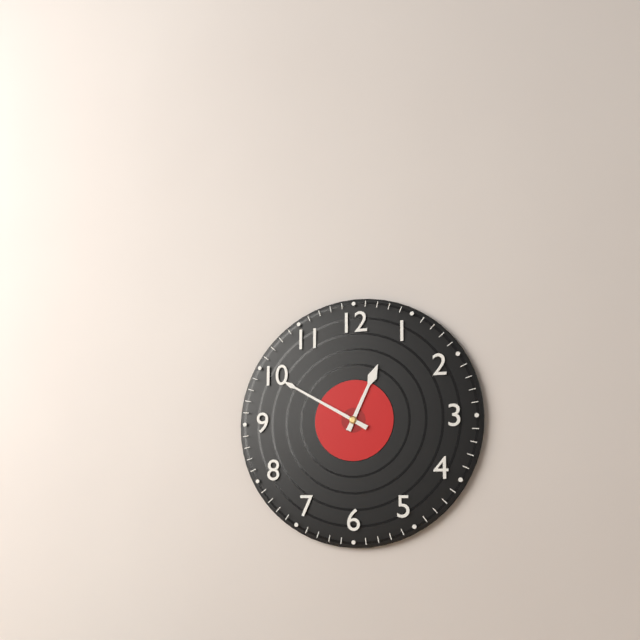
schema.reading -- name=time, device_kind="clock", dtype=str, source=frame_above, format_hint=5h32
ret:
12h50
